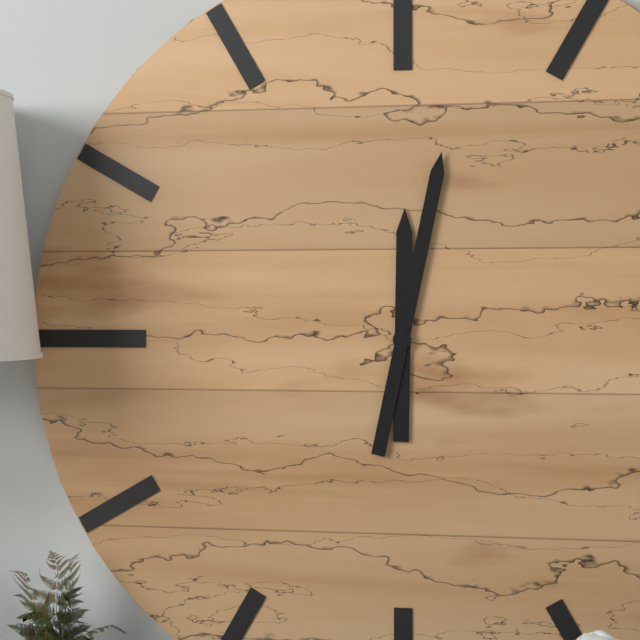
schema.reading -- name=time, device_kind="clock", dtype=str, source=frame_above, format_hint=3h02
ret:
12h02
